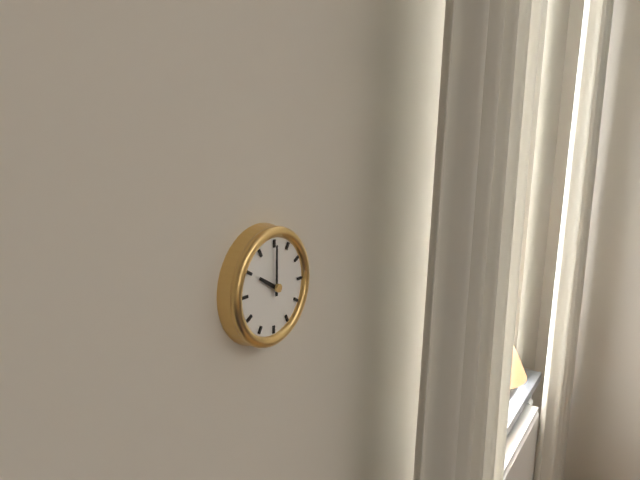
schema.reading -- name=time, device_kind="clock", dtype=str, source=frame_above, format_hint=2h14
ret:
10h00
